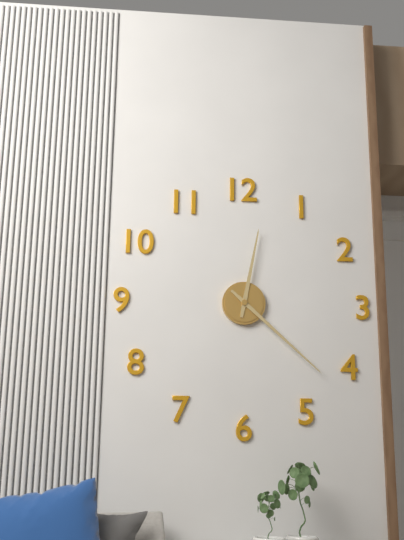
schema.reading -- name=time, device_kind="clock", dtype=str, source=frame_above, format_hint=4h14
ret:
12h22
